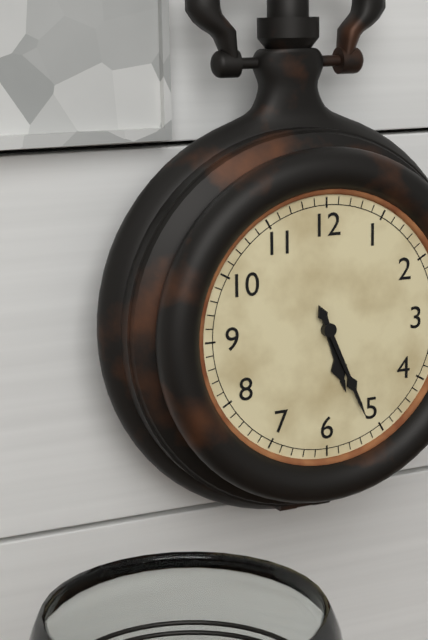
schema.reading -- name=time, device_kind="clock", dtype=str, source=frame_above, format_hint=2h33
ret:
5h26
